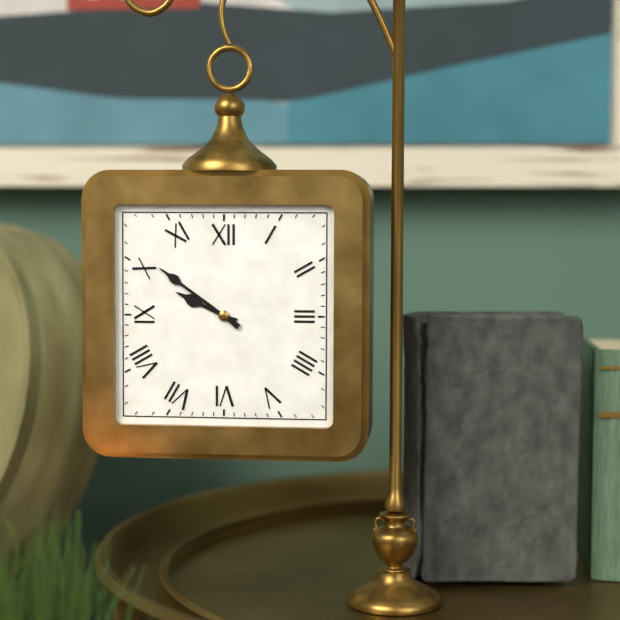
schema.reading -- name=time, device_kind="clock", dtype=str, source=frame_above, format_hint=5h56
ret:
9h51
